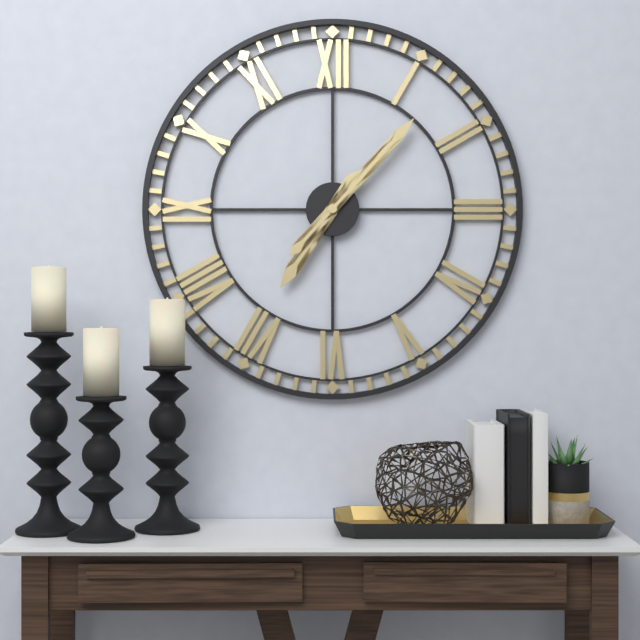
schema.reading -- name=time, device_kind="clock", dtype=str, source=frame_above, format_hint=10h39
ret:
7h07
